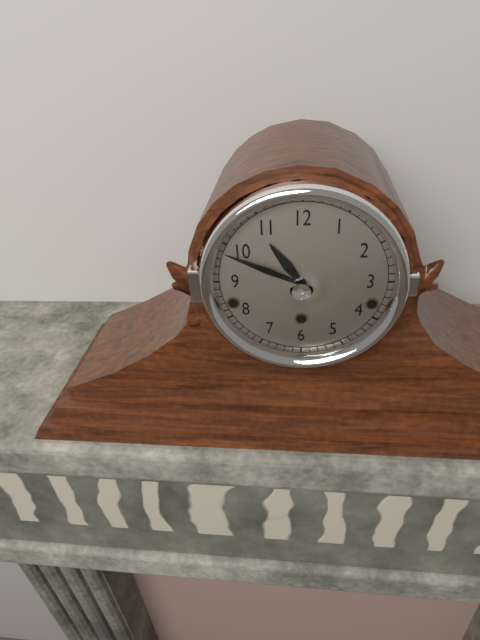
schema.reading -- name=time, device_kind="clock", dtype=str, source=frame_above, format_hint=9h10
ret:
10h49
